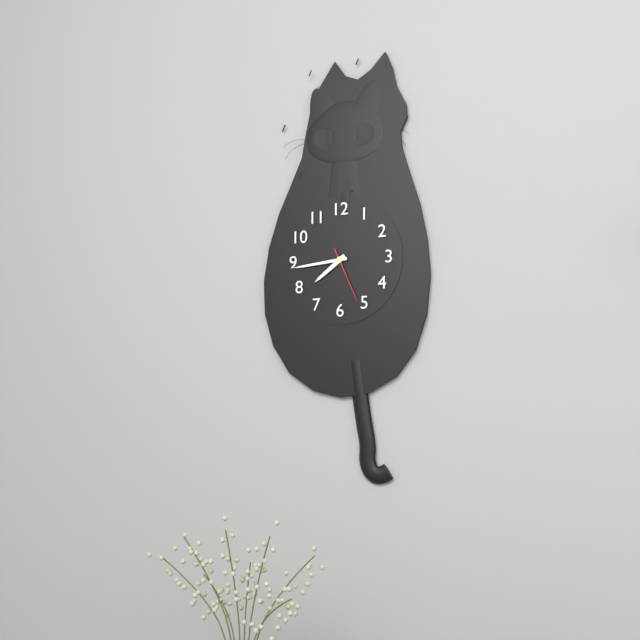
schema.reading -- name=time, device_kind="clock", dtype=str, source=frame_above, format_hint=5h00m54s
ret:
7h44m26s
